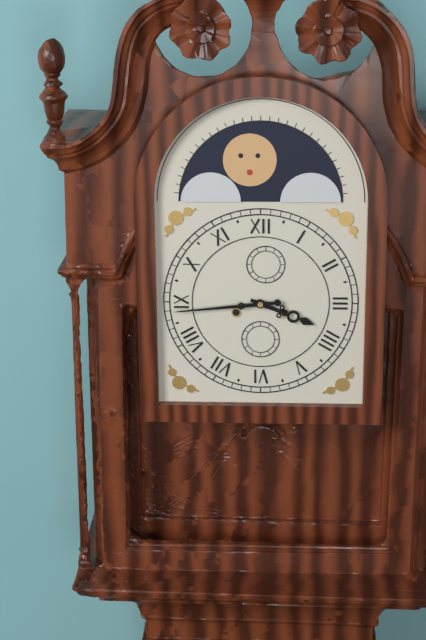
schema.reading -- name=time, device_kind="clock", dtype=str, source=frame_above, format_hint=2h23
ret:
3h44
